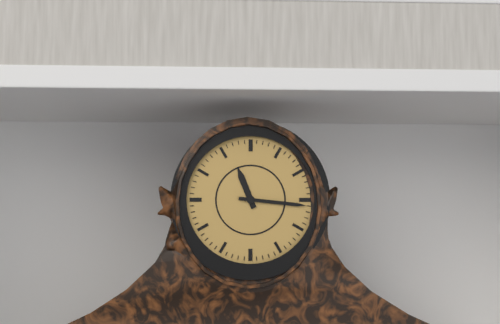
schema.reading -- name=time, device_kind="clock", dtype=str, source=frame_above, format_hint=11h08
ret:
11h16
